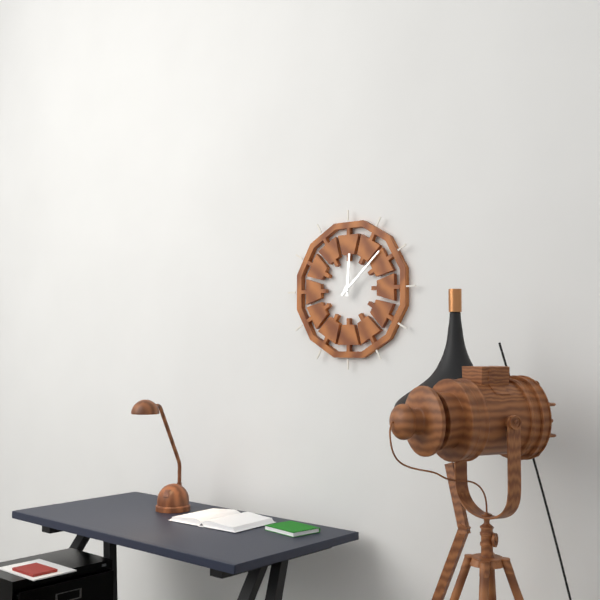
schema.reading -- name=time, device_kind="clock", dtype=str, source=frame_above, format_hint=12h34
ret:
12h08
